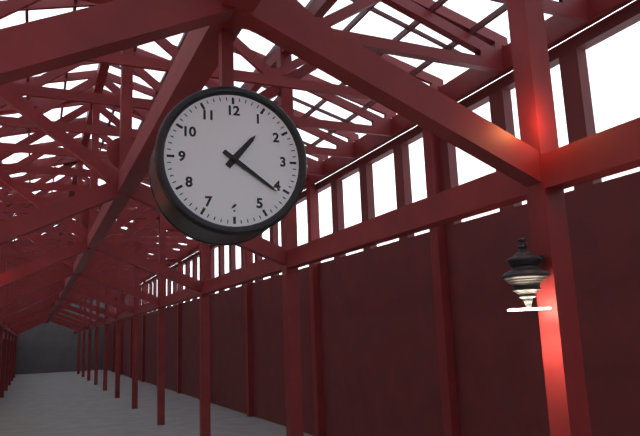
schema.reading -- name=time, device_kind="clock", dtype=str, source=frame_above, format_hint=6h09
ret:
1h21
